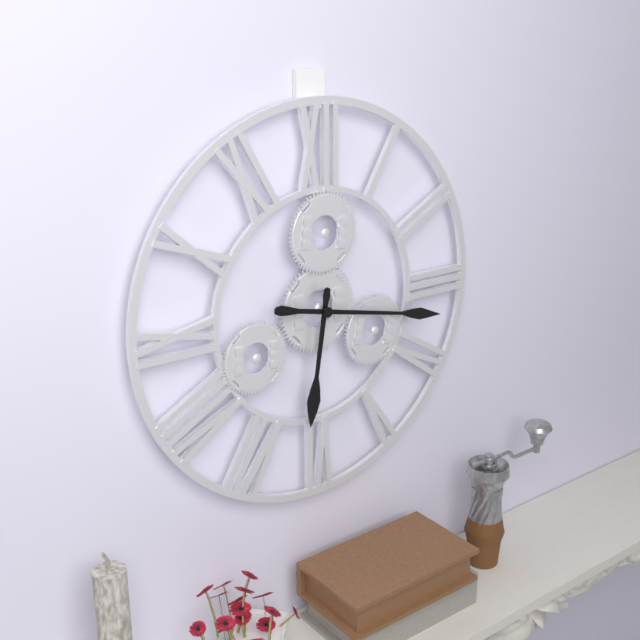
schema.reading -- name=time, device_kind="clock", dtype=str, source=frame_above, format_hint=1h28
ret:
6h17
